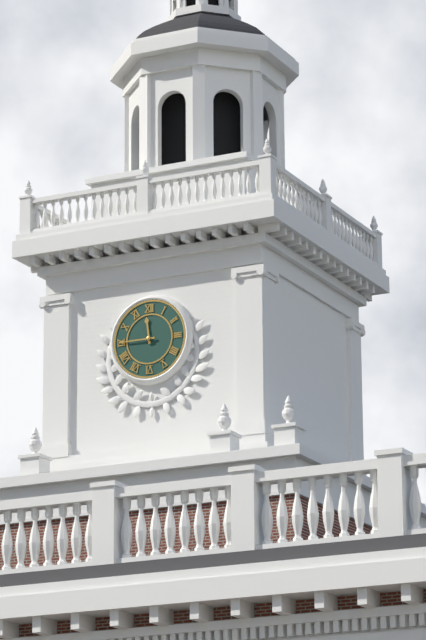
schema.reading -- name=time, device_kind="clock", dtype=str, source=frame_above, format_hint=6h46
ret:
11h45
